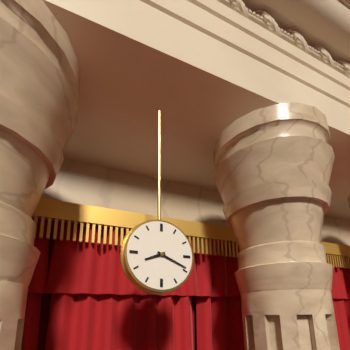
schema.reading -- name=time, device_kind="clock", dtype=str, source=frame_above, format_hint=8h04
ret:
8h19
